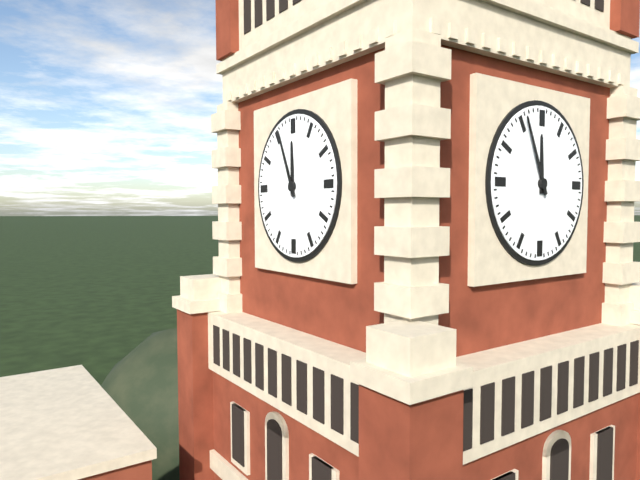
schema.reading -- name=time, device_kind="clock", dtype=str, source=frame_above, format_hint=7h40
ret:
11h56
